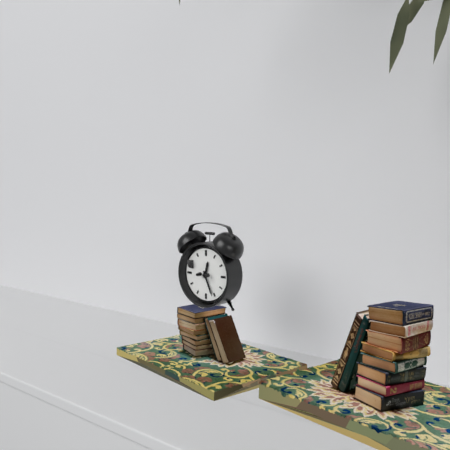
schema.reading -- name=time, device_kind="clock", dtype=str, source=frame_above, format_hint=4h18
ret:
12h26
